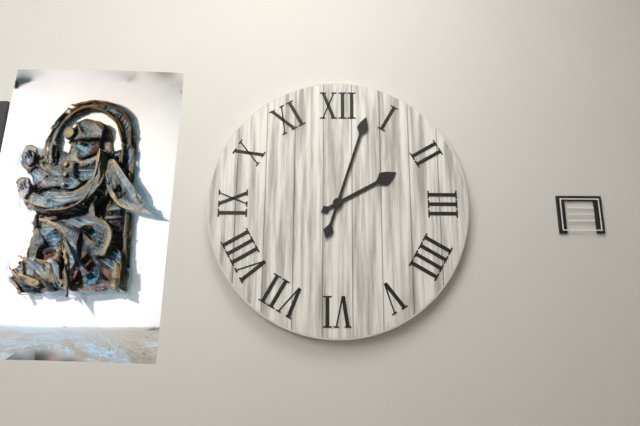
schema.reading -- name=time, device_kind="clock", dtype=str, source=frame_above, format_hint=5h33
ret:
2h03
